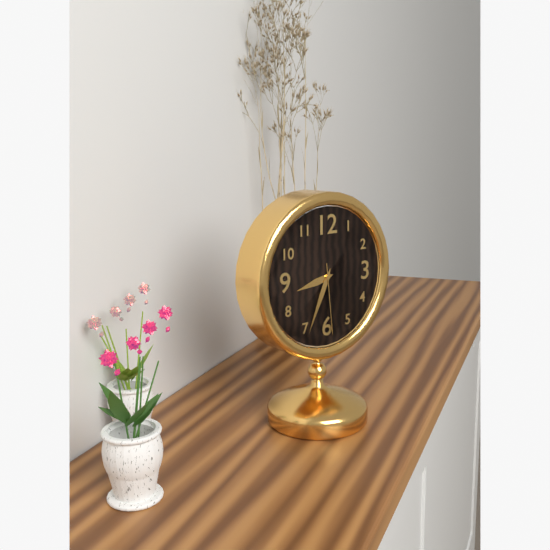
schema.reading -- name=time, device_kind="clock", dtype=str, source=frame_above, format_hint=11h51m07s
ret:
8h34m29s
